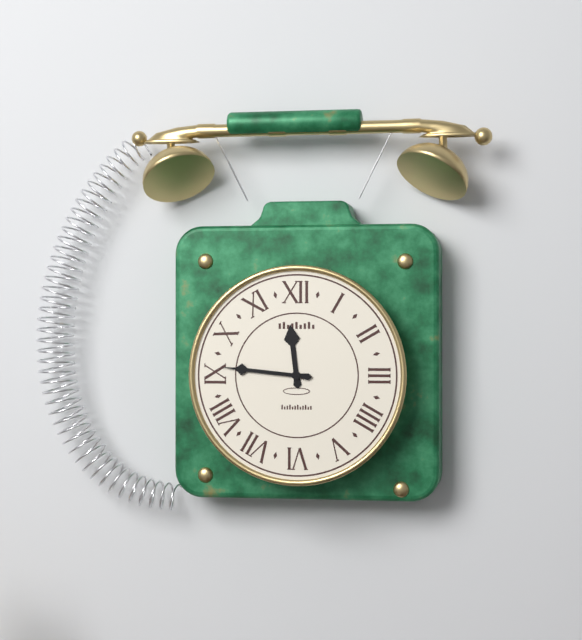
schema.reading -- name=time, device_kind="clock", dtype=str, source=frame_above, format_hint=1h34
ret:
11h46
